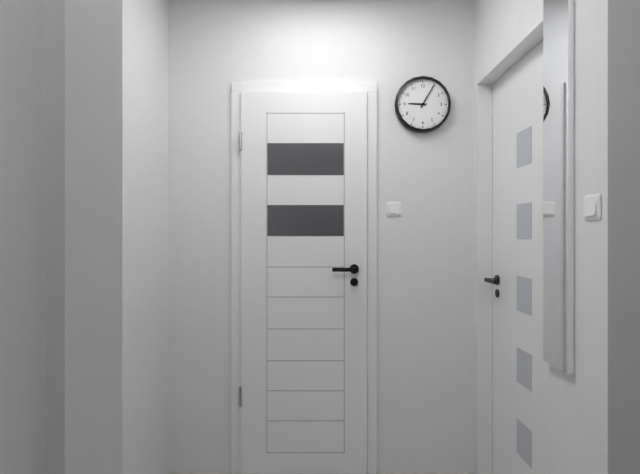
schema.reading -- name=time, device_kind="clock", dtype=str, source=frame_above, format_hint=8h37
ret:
9h05
